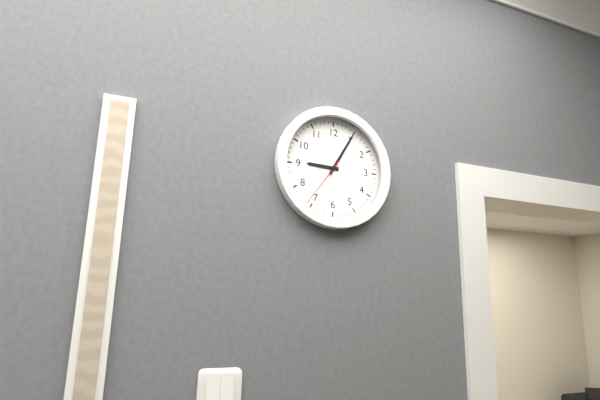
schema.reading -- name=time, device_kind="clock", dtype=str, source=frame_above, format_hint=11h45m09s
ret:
9h05m36s
